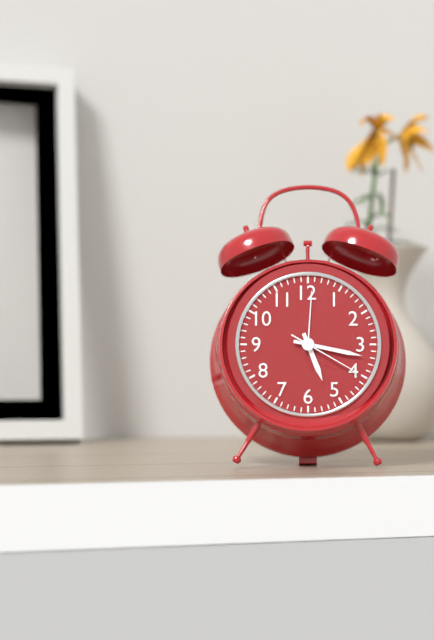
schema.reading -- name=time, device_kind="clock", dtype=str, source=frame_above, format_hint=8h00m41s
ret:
5h17m20s
